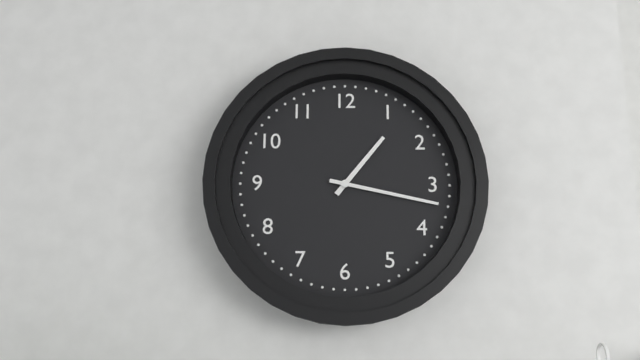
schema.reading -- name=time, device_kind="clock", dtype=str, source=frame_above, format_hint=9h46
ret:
1h17
